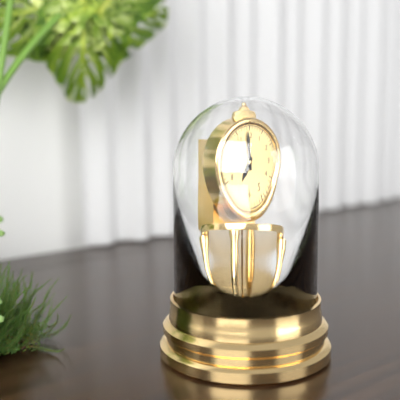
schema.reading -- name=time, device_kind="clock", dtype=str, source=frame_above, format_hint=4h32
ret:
6h59
